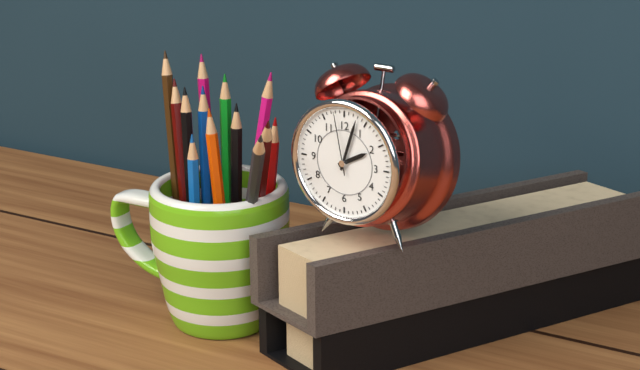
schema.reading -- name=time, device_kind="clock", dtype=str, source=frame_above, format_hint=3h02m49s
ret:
2h03m58s
